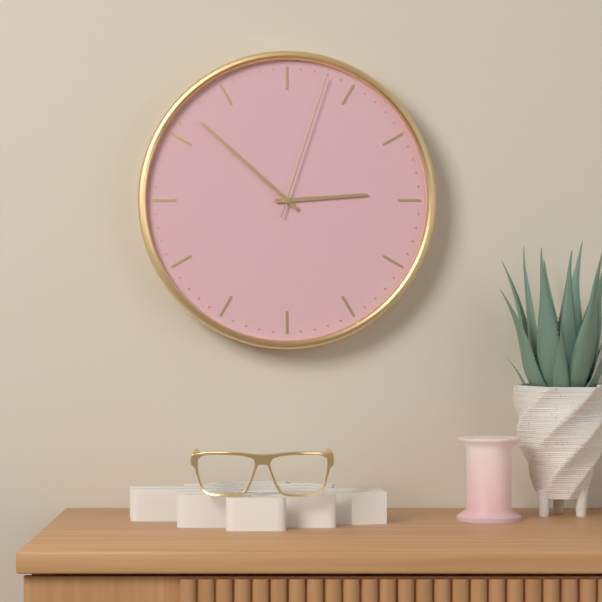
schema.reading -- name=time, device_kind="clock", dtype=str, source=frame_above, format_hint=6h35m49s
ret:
2h52m03s
